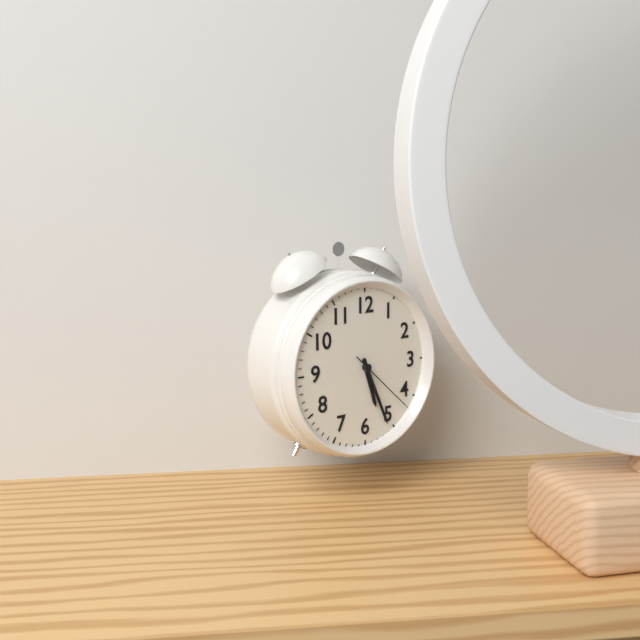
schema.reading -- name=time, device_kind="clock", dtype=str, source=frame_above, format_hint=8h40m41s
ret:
5h26m22s
